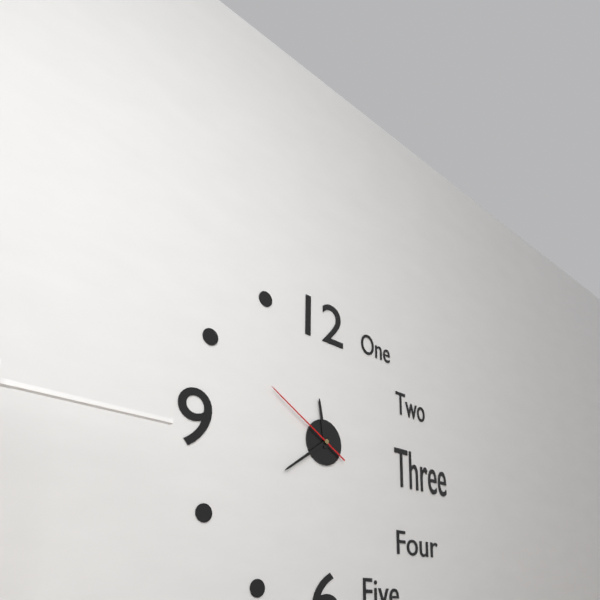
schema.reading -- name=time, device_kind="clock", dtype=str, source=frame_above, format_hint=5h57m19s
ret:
11h39m50s
